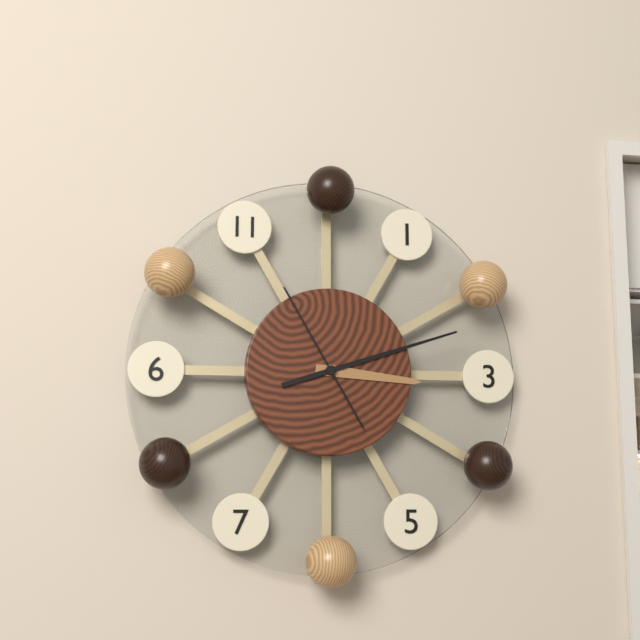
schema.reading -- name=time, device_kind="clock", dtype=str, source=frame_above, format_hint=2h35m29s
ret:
3h12m55s
